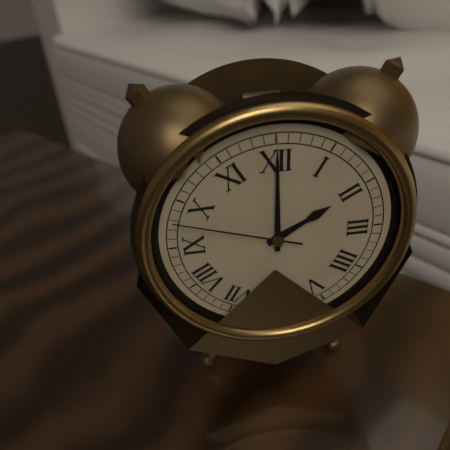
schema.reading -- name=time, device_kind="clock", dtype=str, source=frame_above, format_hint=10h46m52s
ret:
2h00m48s
